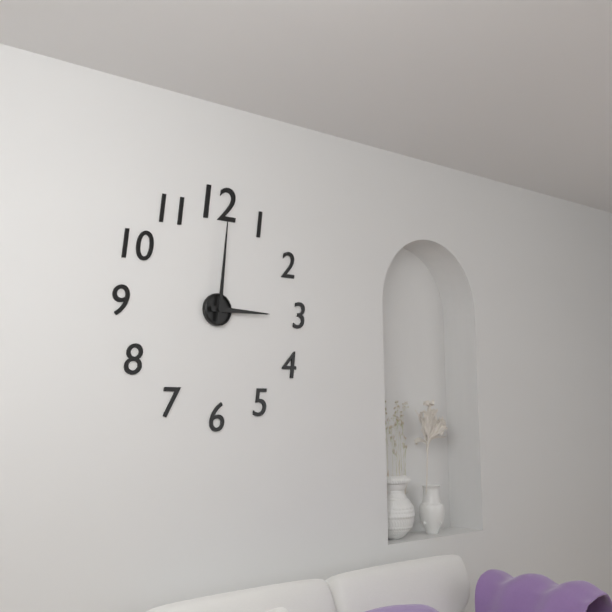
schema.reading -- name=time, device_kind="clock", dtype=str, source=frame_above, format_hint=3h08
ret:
3h01
